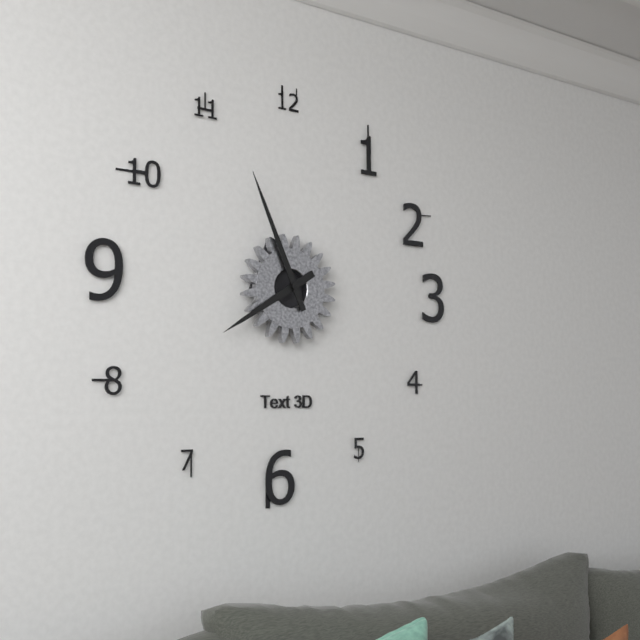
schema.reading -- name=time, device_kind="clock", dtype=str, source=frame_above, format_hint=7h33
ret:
7h56
